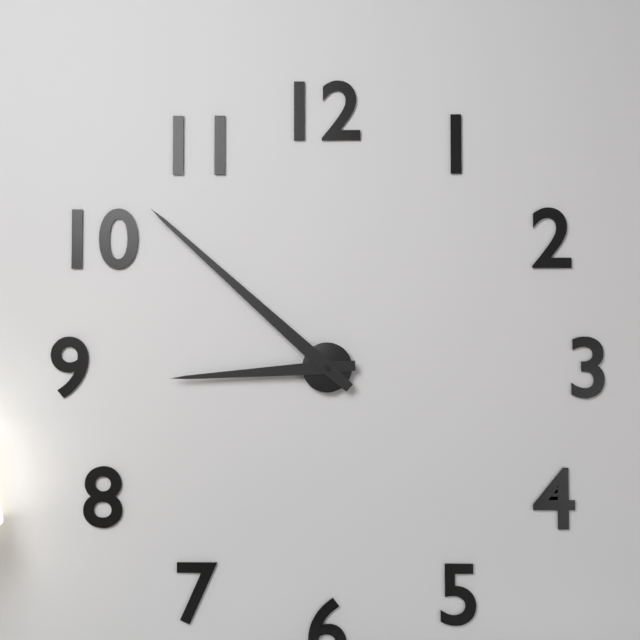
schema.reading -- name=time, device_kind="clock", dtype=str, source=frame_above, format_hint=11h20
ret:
8h52
